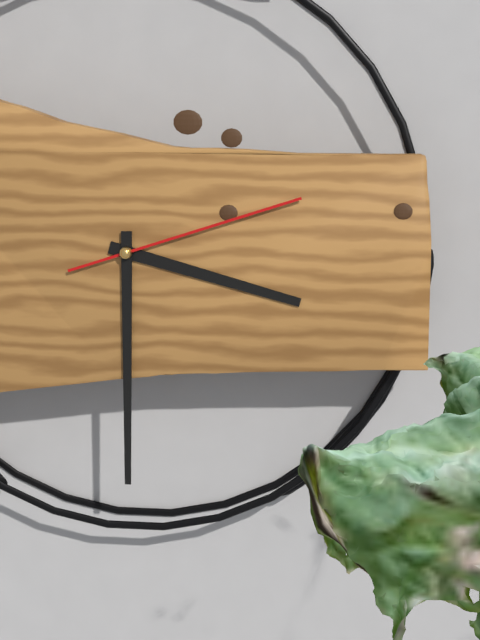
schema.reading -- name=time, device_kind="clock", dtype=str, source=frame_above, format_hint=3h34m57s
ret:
3h30m12s
